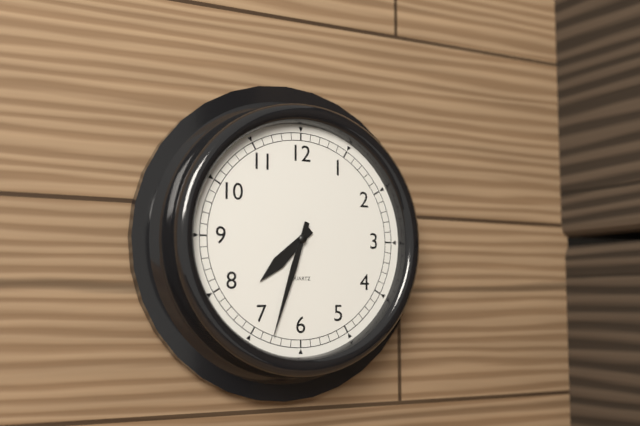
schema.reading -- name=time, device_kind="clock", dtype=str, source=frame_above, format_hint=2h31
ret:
7h33
